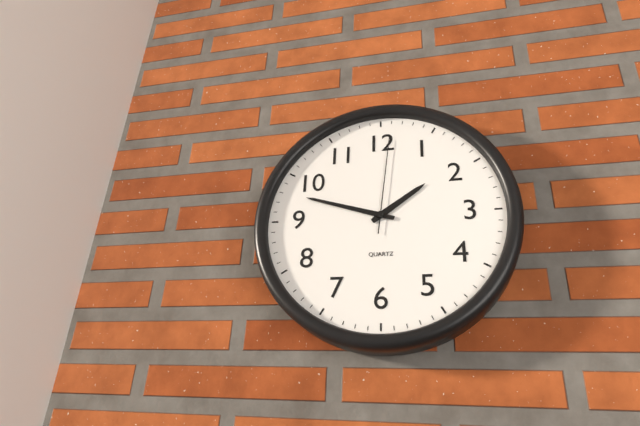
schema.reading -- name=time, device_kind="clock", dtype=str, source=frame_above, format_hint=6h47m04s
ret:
1h48m01s
